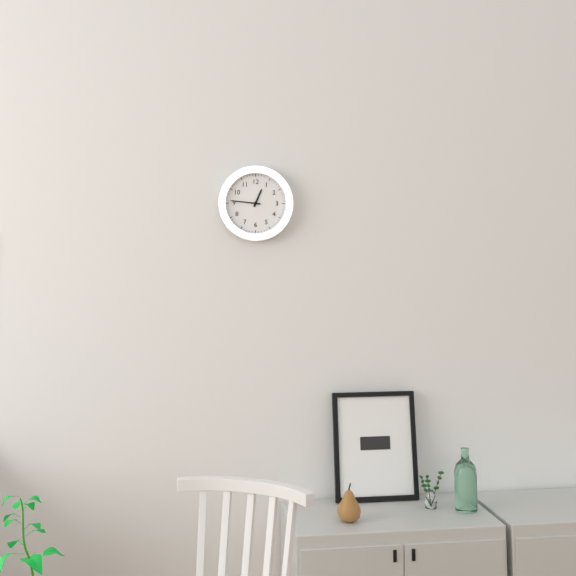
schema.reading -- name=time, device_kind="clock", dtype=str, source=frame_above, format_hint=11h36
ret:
12h46
